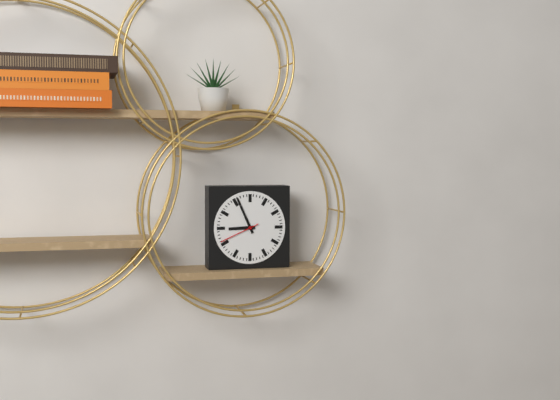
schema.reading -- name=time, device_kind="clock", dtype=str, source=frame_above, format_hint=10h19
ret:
8h56
